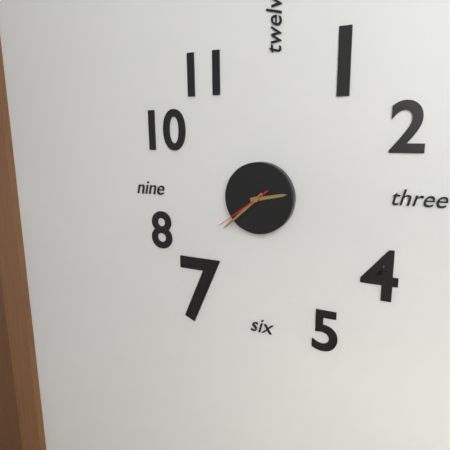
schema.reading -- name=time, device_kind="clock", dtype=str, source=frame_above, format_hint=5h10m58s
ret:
2h38m39s
